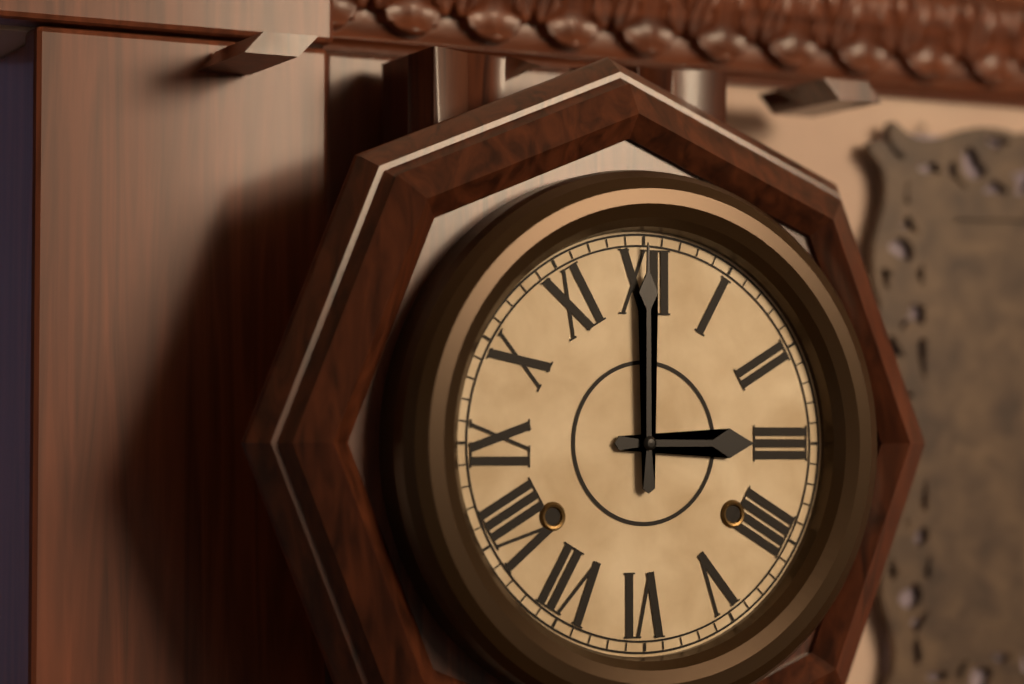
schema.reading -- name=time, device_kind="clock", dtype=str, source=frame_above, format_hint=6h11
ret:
3h00
